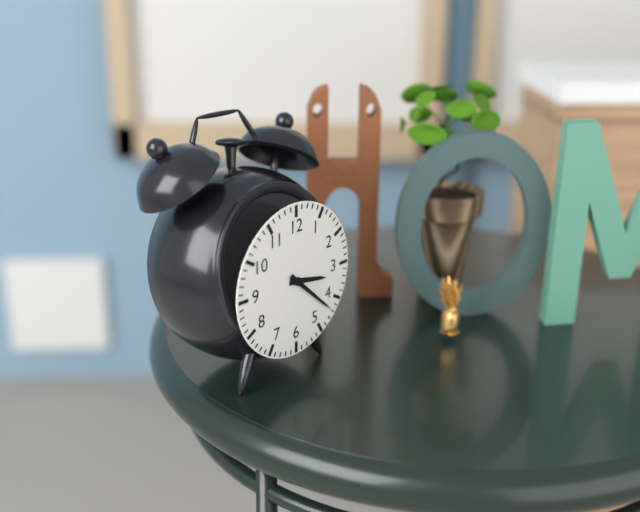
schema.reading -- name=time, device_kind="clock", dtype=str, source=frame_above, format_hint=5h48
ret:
3h22
